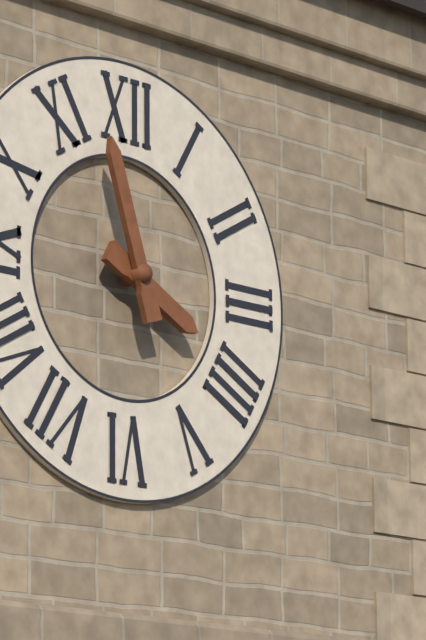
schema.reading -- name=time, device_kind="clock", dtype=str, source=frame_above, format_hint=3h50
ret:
3h57
